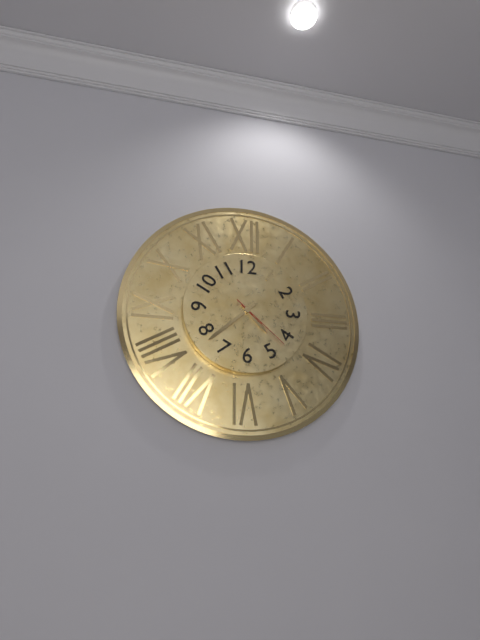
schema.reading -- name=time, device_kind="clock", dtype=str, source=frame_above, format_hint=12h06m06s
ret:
4h38m22s
